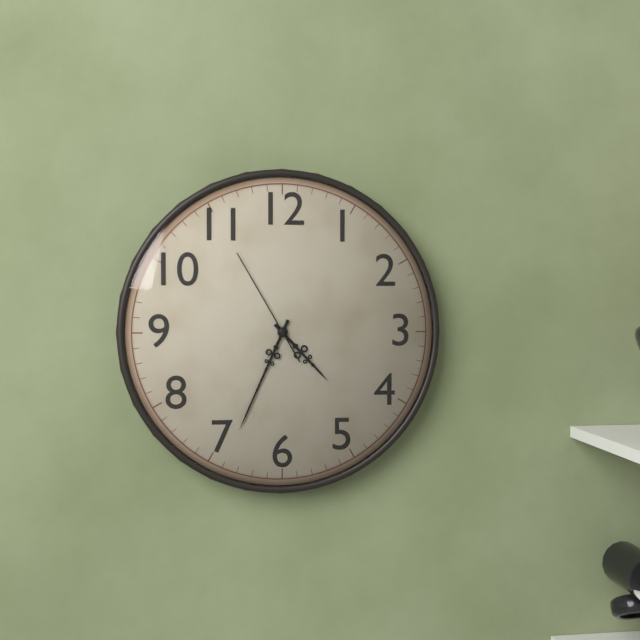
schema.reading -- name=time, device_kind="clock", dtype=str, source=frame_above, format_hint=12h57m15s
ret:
4h34m55s
